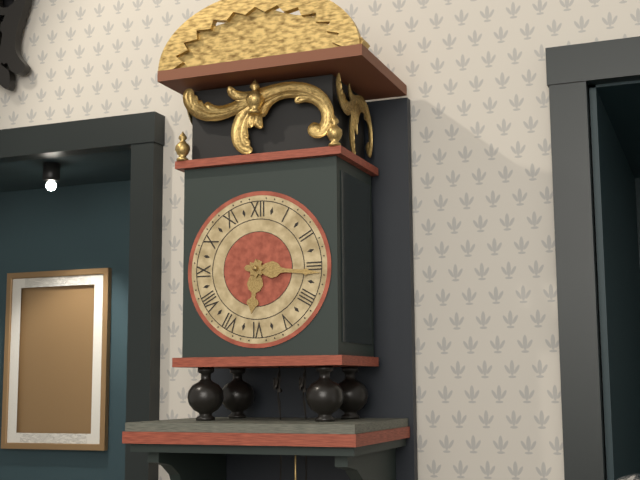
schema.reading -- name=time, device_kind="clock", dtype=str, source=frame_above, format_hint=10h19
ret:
6h16
